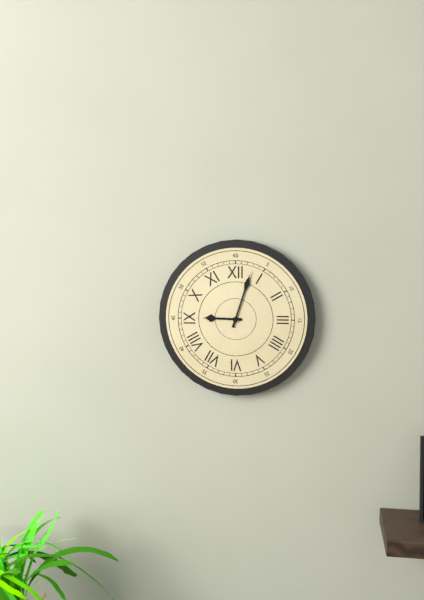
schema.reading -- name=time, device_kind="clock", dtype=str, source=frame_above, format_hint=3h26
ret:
9h03
